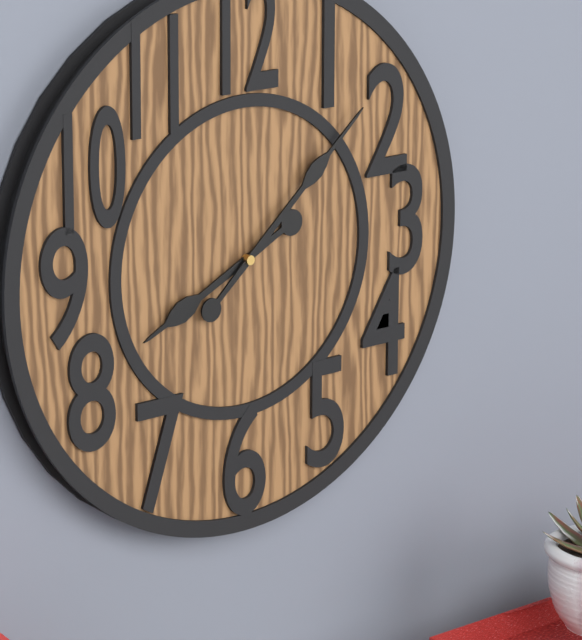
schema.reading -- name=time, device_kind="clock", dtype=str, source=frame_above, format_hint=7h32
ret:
8h08
